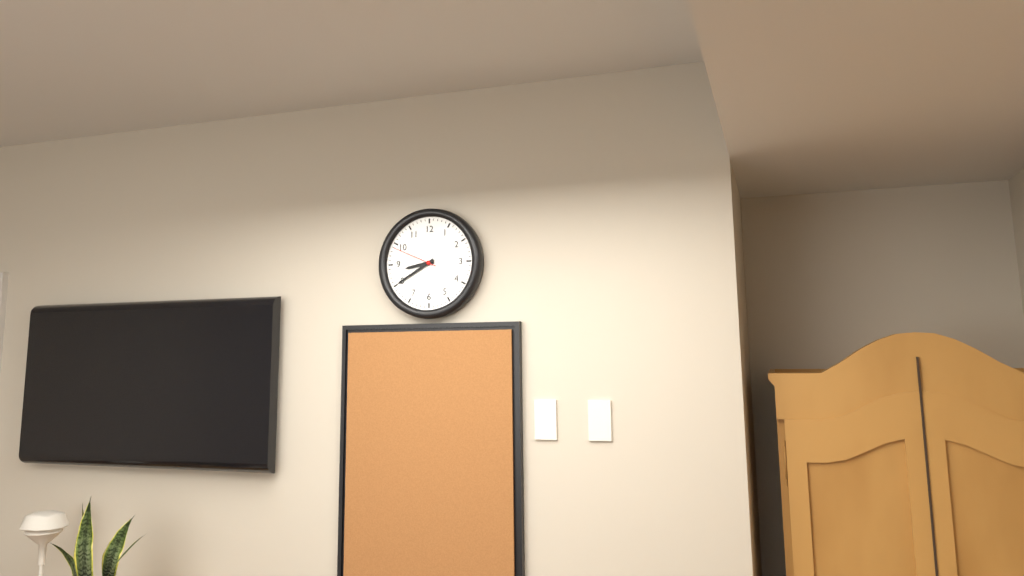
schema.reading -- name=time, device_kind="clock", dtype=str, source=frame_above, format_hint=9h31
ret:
8h40
